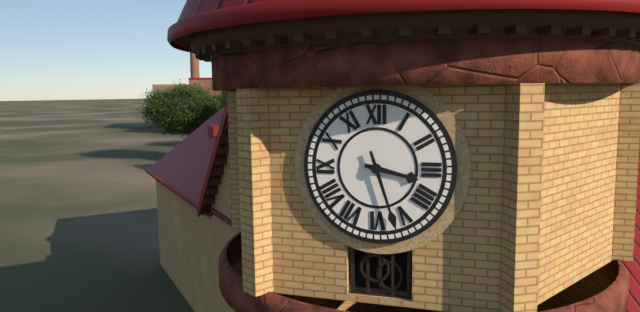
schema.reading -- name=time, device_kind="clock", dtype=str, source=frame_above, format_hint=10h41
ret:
3h27
